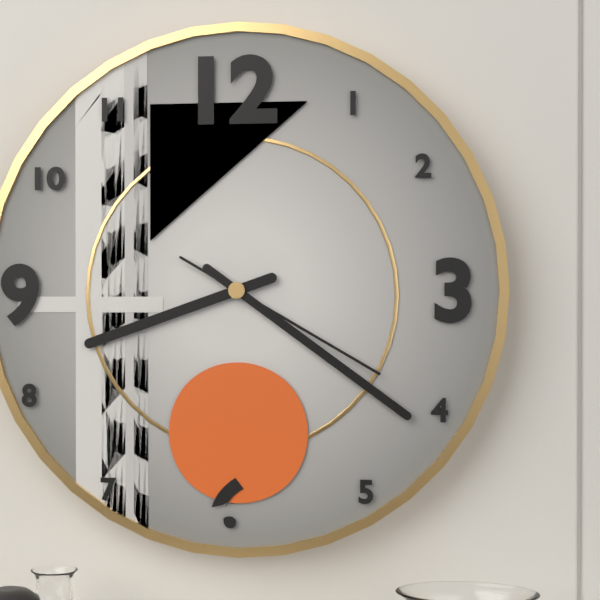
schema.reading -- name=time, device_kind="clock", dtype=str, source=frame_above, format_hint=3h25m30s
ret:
8h21m20s
